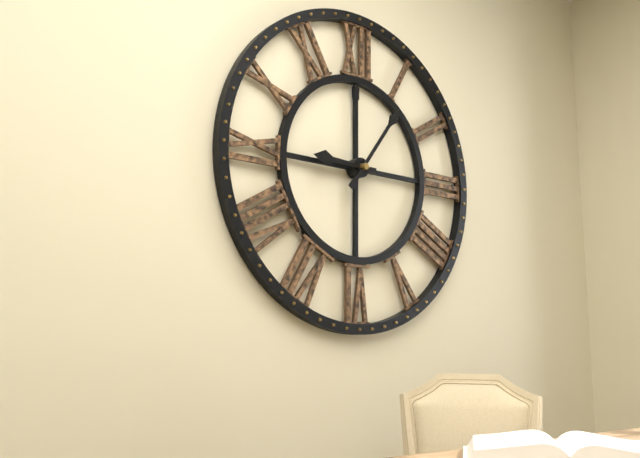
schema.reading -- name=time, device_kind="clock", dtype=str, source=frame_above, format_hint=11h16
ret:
9h06
